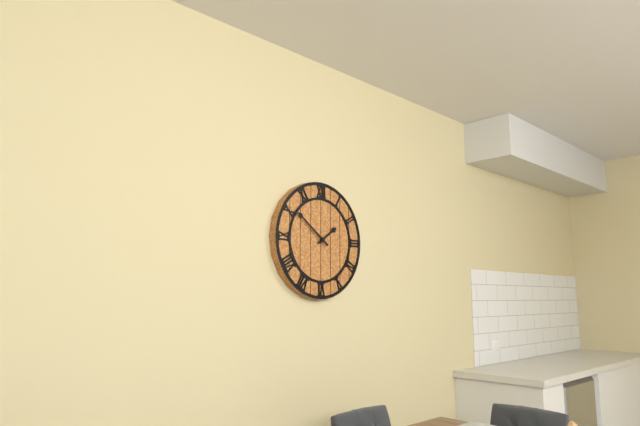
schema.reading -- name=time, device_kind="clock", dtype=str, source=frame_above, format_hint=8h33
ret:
1h51
